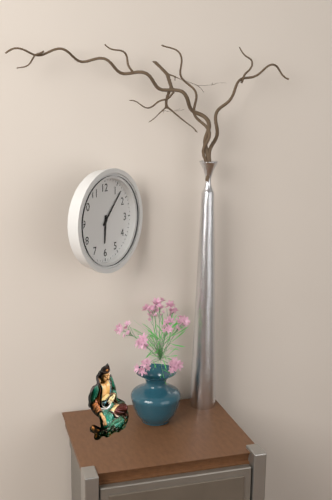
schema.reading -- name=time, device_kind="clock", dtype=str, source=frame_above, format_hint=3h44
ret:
6h07
